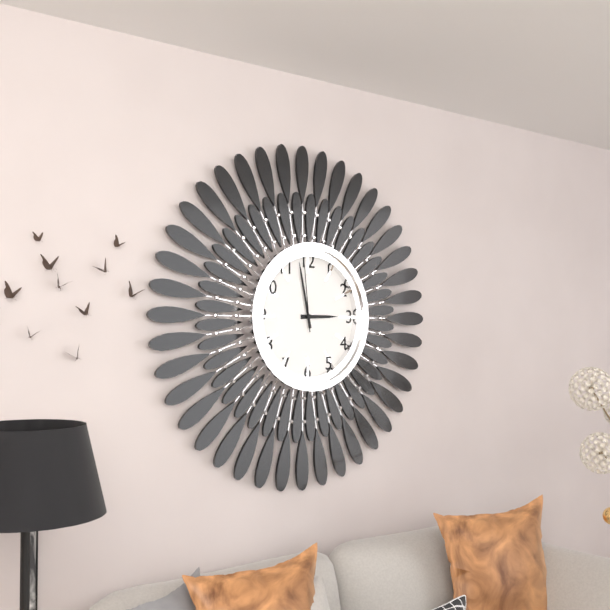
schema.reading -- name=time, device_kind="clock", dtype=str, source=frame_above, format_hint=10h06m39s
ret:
2h58m59s
